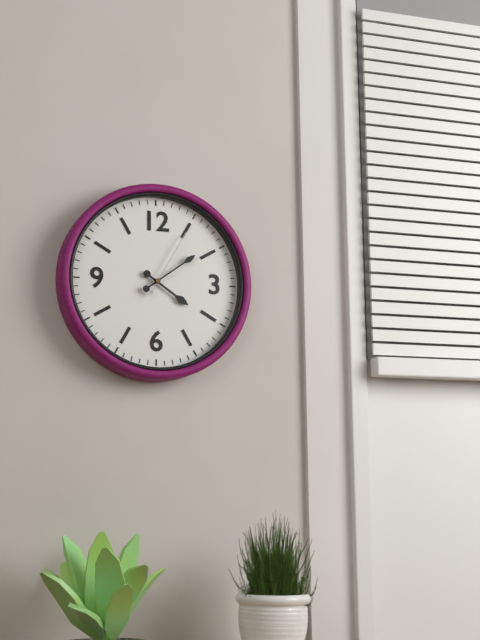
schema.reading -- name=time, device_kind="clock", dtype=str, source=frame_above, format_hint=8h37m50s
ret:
4h09m05s
